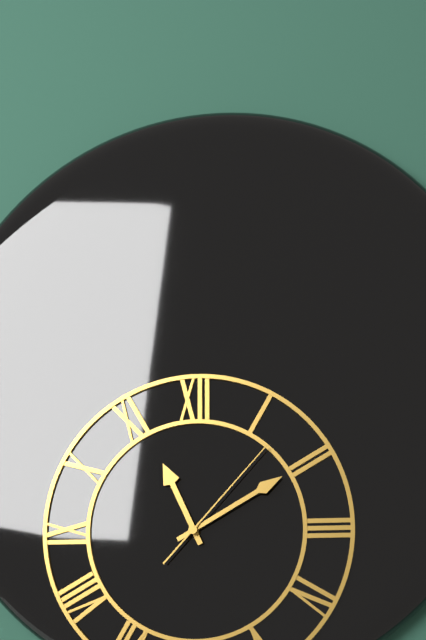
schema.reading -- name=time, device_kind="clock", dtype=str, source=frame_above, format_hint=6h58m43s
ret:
11h10m07s
